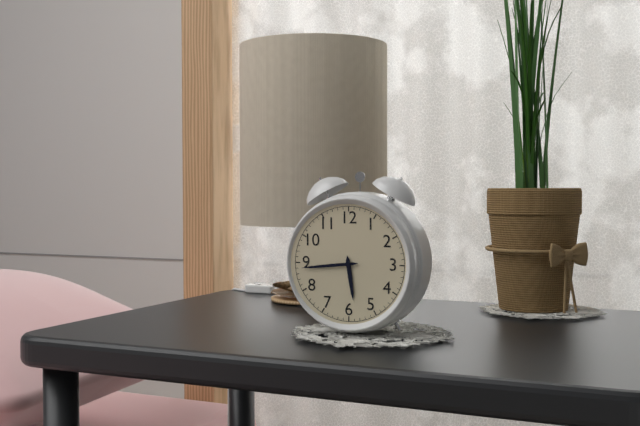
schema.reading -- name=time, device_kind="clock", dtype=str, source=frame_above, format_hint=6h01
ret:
5h44
